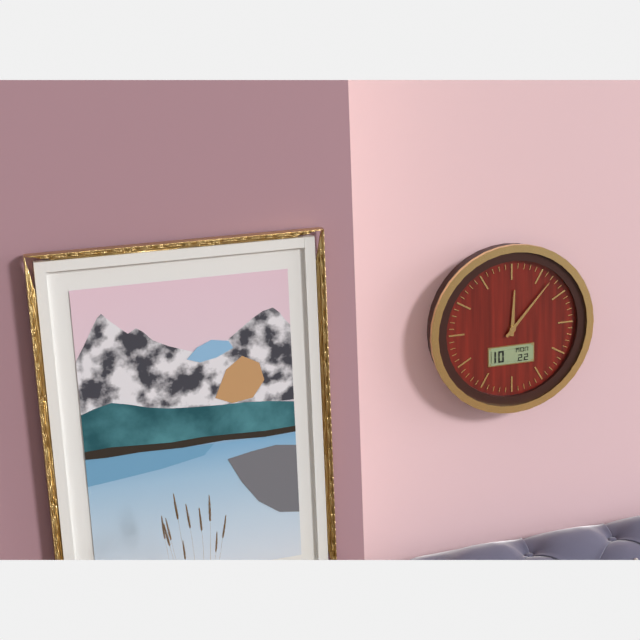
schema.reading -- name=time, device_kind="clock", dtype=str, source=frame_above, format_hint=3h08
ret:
12h07
